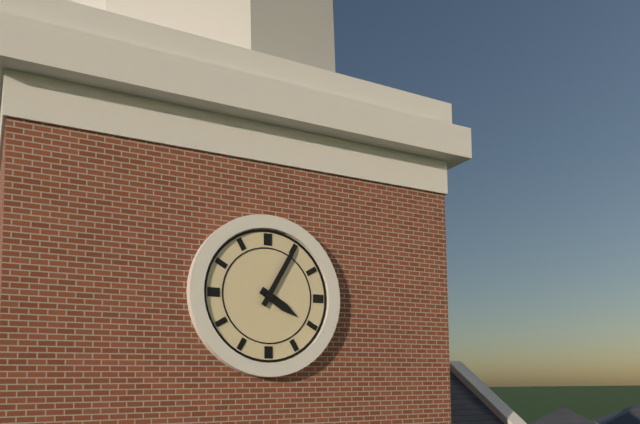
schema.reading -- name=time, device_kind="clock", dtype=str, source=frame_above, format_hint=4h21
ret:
4h05
